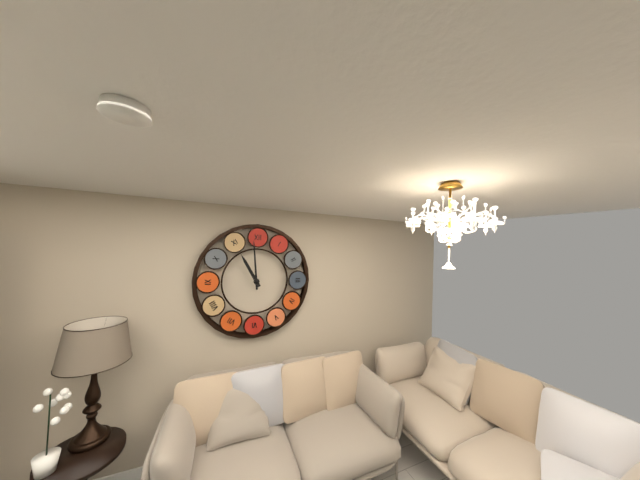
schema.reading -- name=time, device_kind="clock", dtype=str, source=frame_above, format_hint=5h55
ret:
10h59
